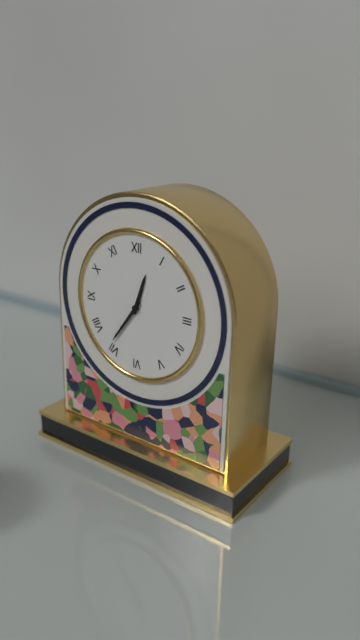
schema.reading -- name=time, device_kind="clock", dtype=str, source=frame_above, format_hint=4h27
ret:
12h36
